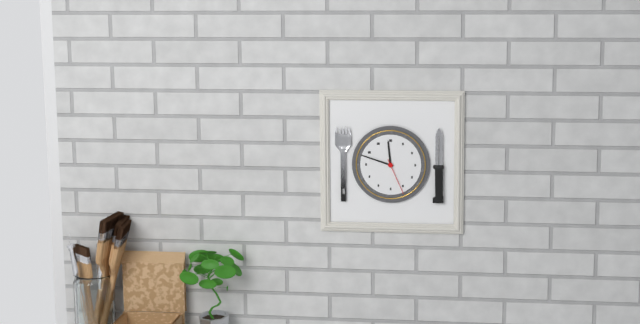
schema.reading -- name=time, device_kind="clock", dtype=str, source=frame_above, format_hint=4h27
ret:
11h48
